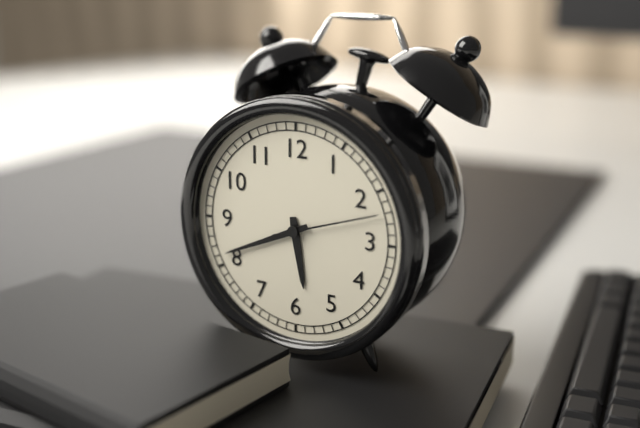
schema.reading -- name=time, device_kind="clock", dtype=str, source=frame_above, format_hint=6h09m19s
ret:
5h41m12s
